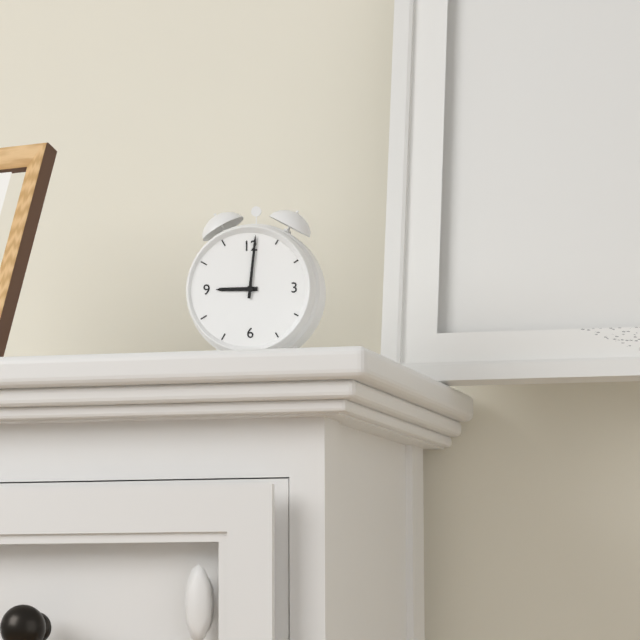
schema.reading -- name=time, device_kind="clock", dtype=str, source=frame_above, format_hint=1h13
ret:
9h01
